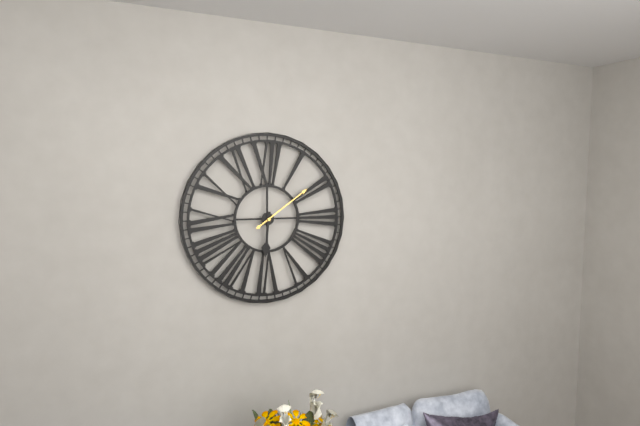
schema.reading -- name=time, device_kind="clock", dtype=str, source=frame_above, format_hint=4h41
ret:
6h09
